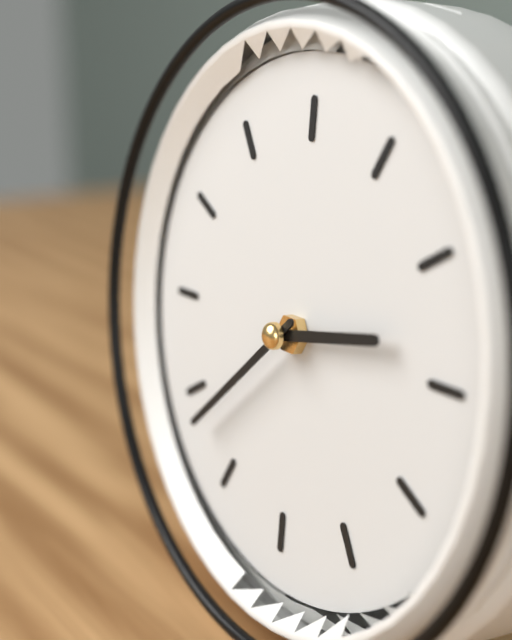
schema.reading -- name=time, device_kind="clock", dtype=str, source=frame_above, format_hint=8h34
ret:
2h38
